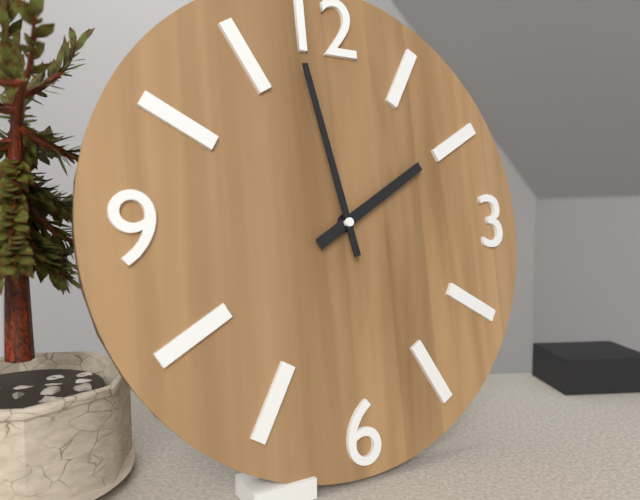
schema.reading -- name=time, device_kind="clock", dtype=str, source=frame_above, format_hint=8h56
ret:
1h58
